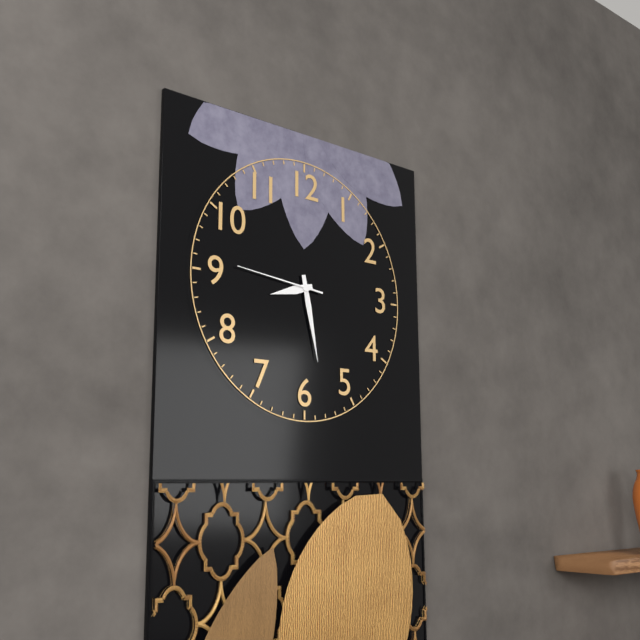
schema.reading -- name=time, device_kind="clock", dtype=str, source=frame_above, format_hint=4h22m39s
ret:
8h28m46s
